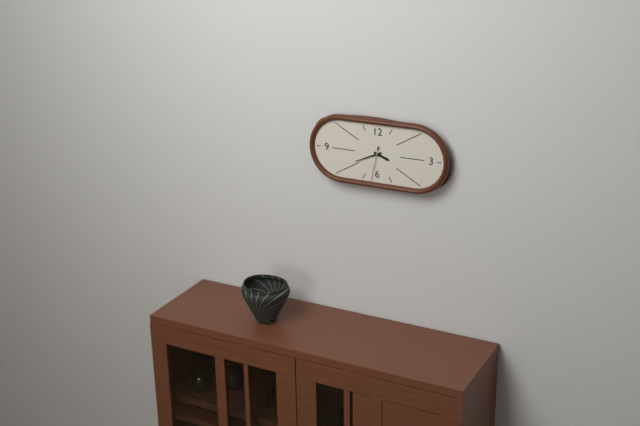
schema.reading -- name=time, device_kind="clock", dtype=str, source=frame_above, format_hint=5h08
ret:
3h41
